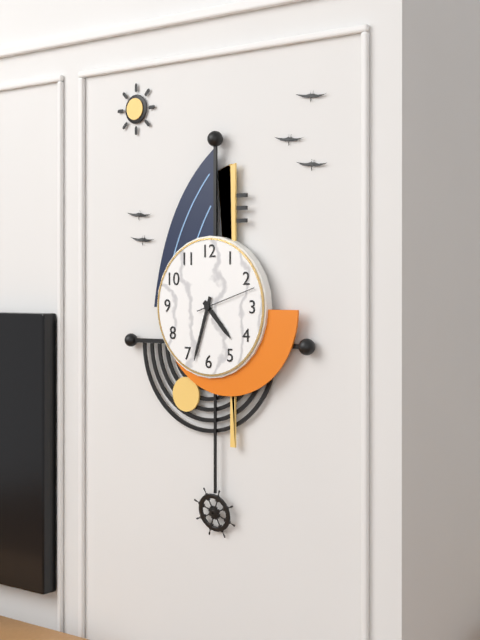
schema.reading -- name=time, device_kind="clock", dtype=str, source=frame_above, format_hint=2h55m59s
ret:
4h33m12s
